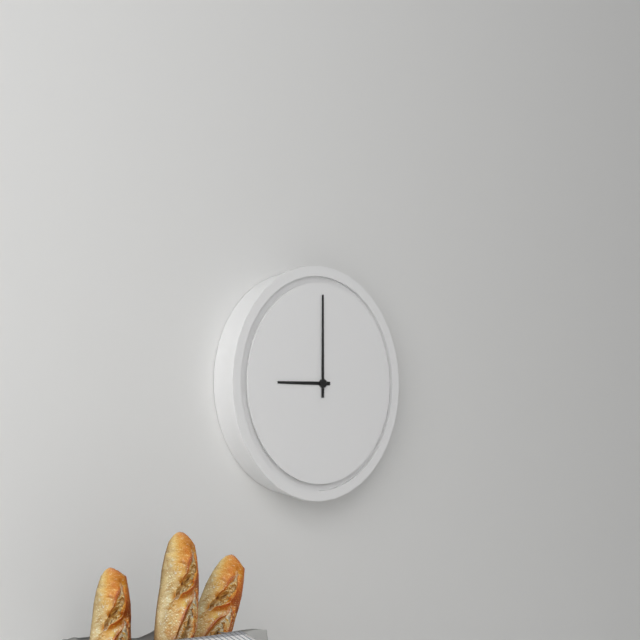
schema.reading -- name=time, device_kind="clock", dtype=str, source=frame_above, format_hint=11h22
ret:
9h00
